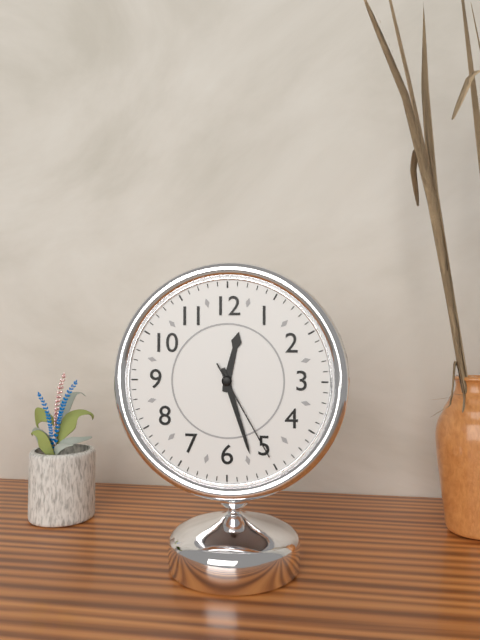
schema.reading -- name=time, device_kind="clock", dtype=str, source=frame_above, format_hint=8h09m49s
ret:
12h27m25s
